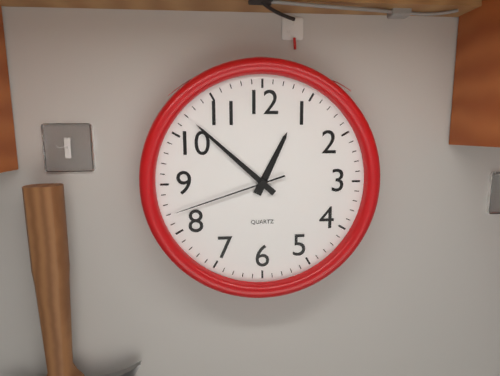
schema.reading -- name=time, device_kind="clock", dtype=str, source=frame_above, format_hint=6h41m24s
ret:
12h52m42s
